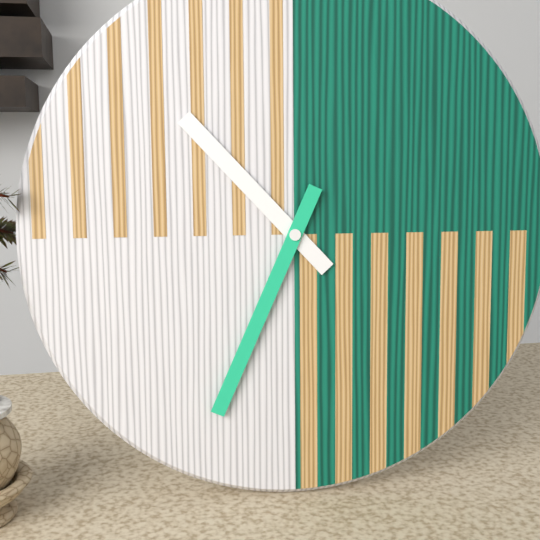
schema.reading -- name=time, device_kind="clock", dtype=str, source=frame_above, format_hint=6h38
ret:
10h34
